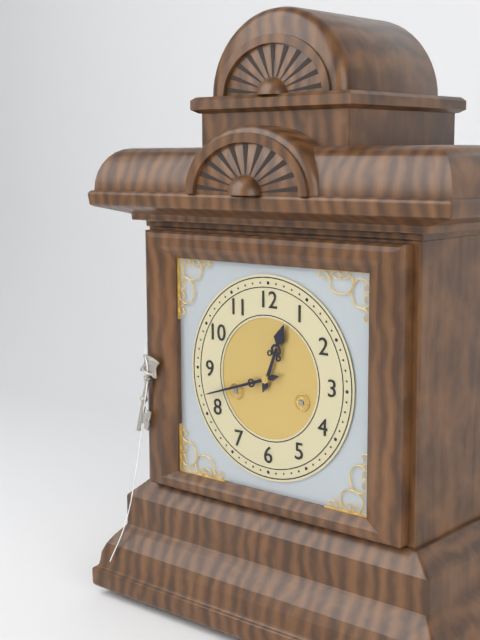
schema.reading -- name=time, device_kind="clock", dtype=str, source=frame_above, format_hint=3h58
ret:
12h42
